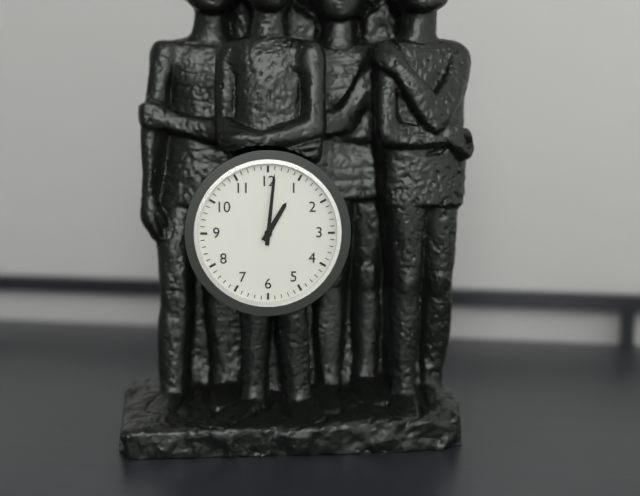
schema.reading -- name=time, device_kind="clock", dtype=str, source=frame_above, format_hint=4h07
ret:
1h01
